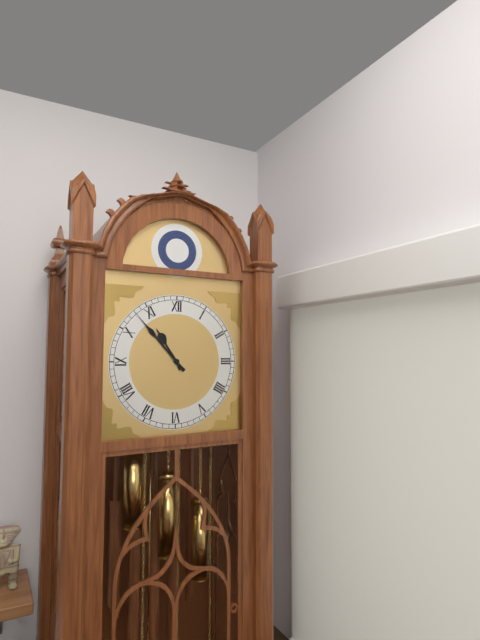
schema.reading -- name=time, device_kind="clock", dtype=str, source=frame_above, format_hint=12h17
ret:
10h53
